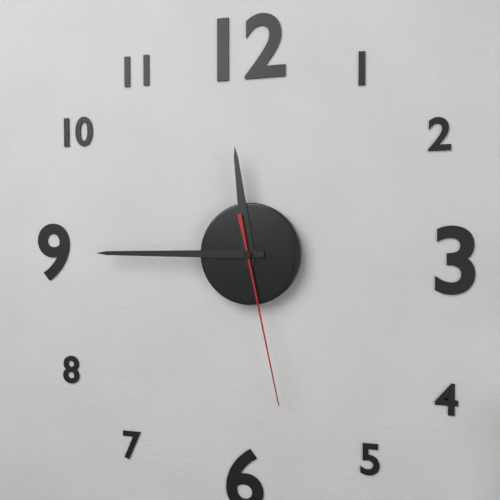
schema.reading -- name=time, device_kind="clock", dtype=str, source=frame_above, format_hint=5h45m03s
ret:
11h45m28s
